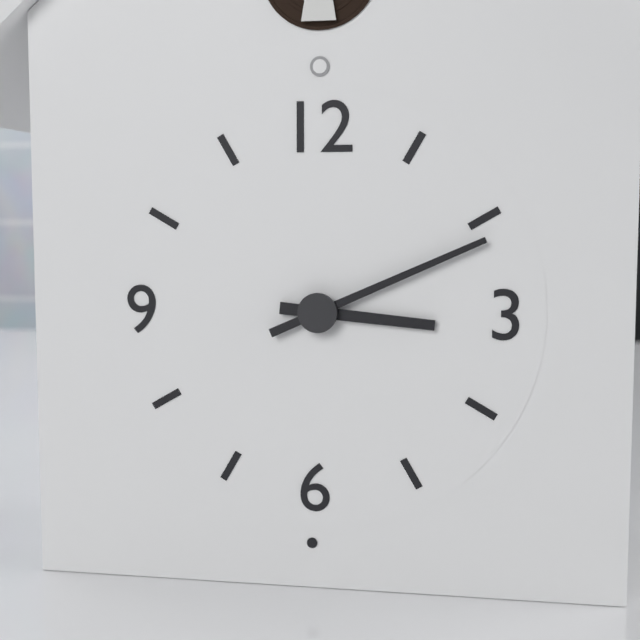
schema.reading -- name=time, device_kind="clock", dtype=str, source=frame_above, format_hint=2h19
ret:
3h11
